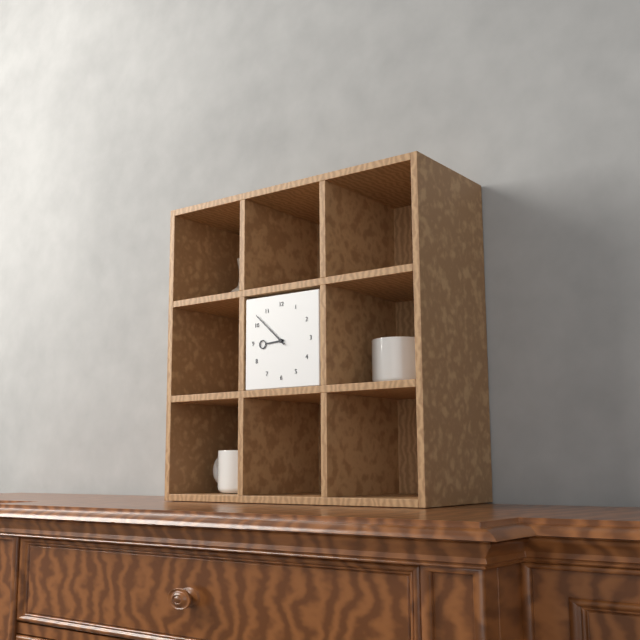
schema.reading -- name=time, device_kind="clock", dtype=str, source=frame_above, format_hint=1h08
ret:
8h52
